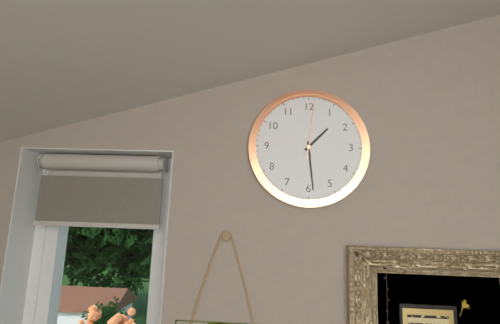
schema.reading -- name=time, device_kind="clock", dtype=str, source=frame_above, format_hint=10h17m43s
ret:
1h29m01s
